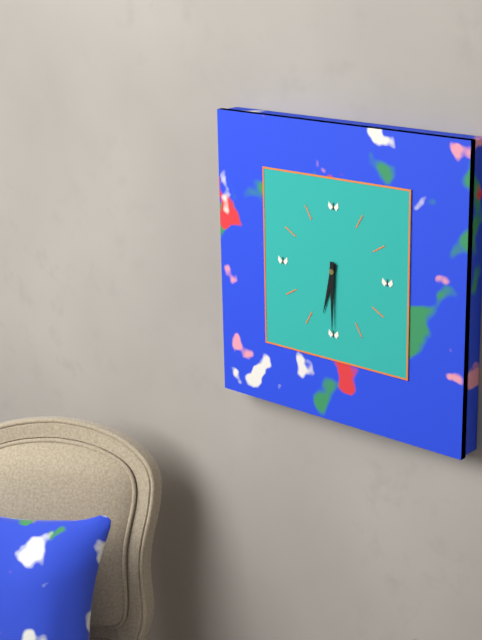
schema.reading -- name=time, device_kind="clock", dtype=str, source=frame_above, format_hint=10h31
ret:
6h30
